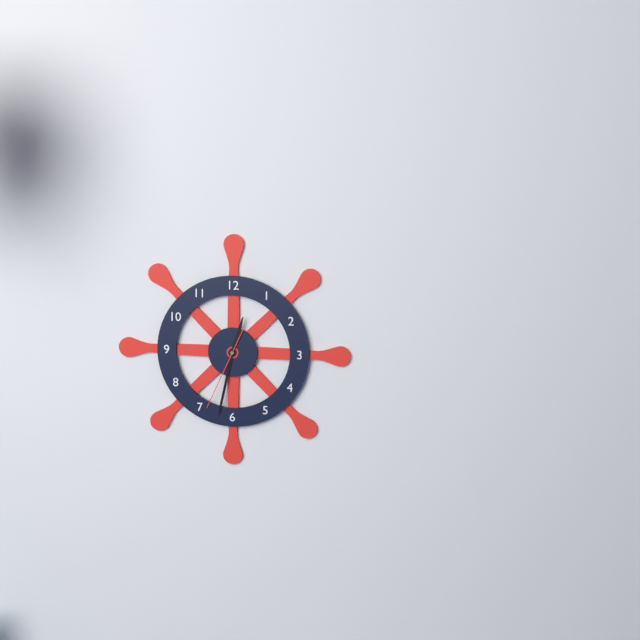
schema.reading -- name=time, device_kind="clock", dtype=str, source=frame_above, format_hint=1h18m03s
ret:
12h32m34s
